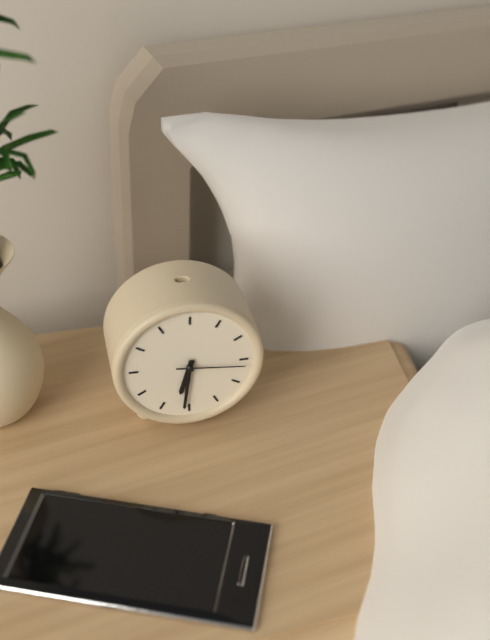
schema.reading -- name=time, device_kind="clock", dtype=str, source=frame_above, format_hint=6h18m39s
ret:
6h31m16s
